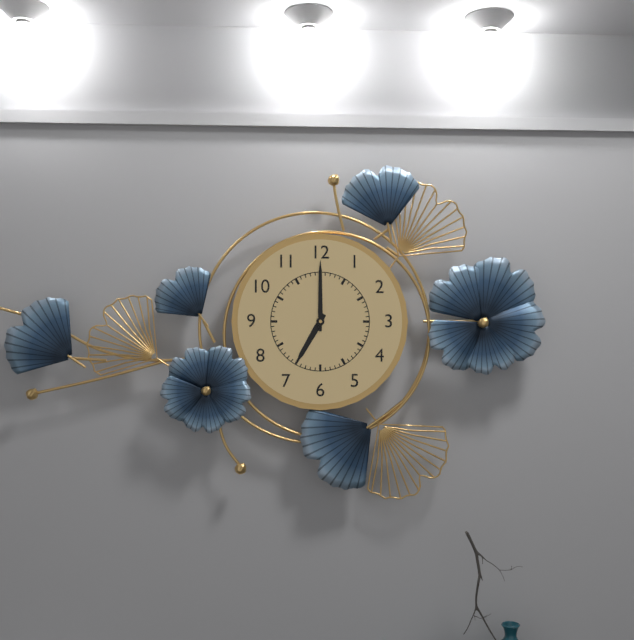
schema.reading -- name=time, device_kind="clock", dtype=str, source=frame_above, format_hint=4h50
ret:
7h00
